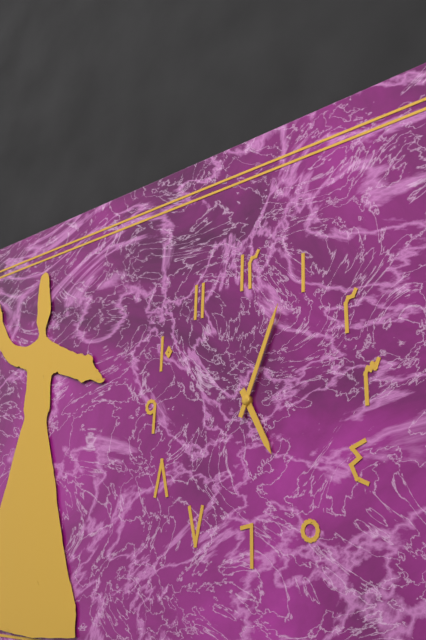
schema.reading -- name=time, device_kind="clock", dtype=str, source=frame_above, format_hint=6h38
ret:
5h04
